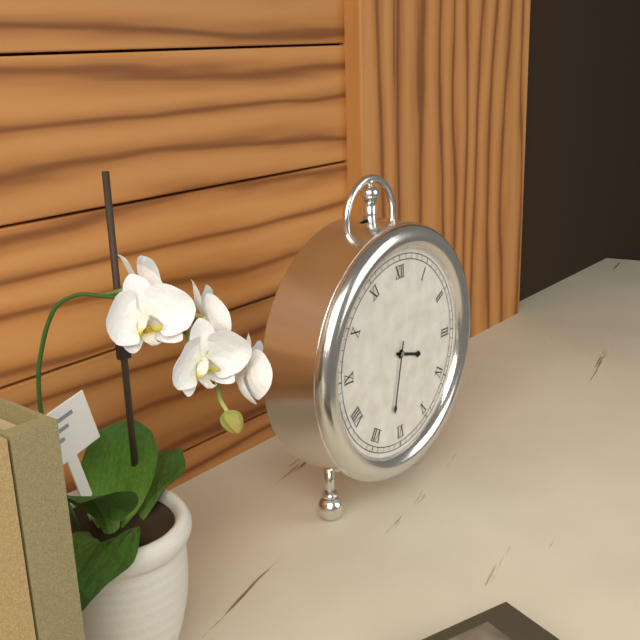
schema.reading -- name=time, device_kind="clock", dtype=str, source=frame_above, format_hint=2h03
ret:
3h32
